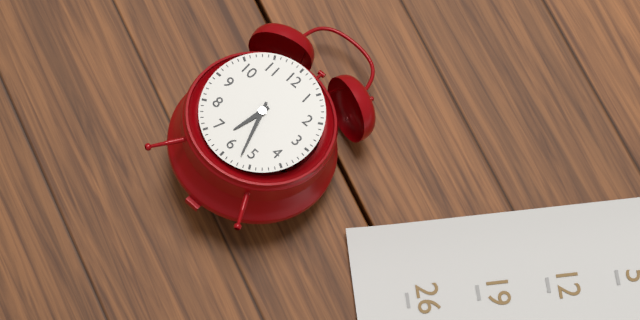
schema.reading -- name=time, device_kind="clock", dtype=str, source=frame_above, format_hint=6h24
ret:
6h27
